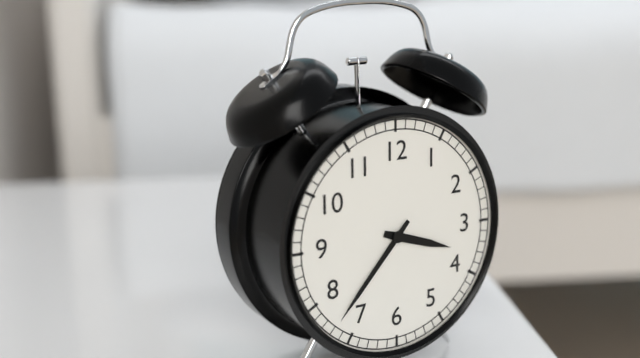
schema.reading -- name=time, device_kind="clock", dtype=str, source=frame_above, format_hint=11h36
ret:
3h37
